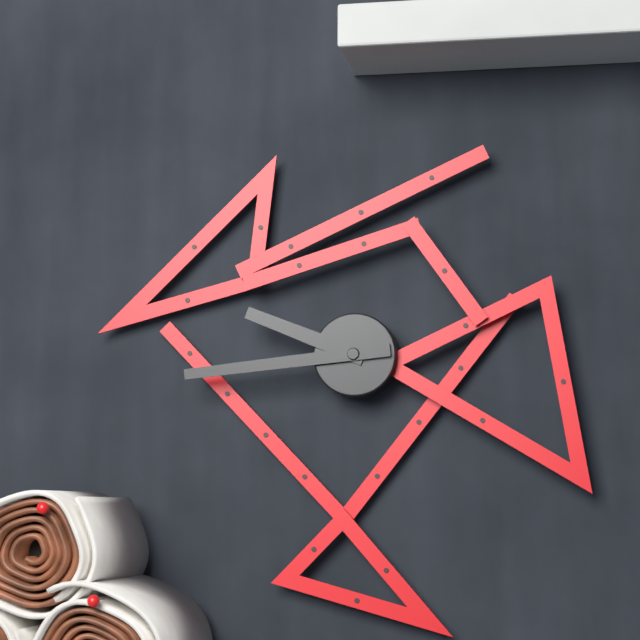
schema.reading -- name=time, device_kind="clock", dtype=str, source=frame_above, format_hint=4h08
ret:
9h44
